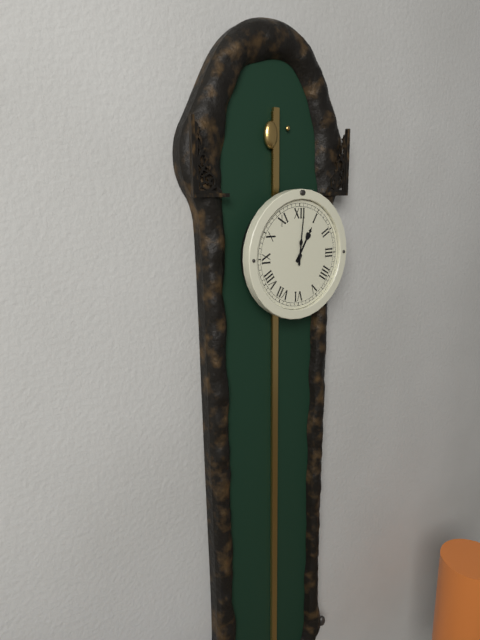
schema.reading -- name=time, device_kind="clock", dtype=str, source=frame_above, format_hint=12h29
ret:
1h01
